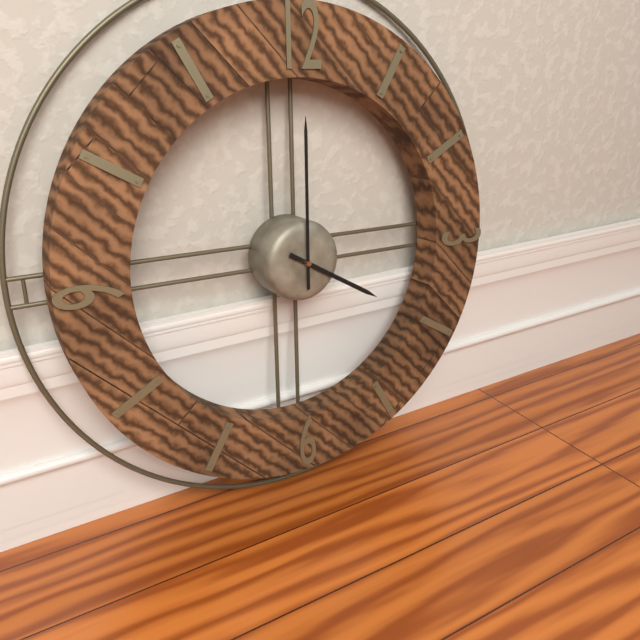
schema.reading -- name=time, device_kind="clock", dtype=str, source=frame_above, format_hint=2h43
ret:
4h00
